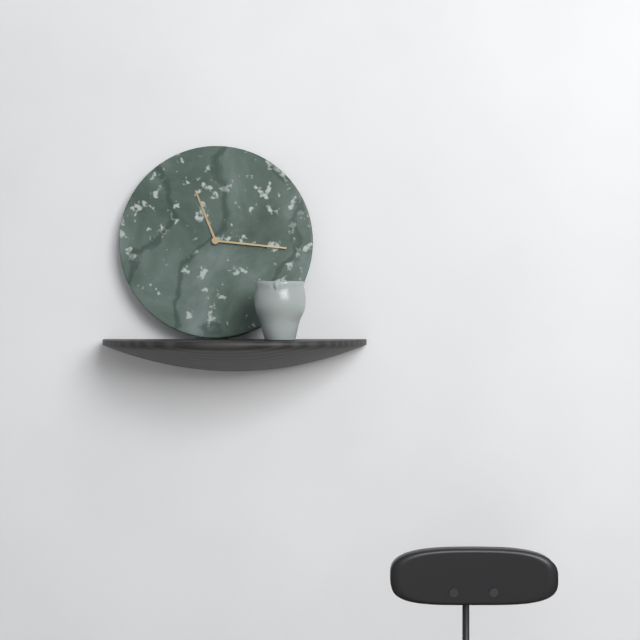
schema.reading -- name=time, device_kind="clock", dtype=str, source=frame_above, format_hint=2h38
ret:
11h16
